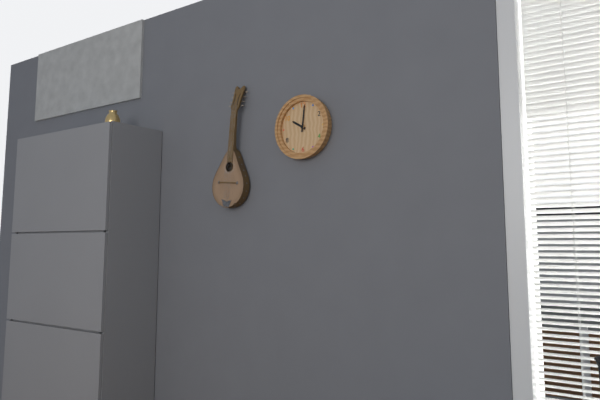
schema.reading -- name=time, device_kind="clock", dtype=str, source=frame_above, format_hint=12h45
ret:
10h01
